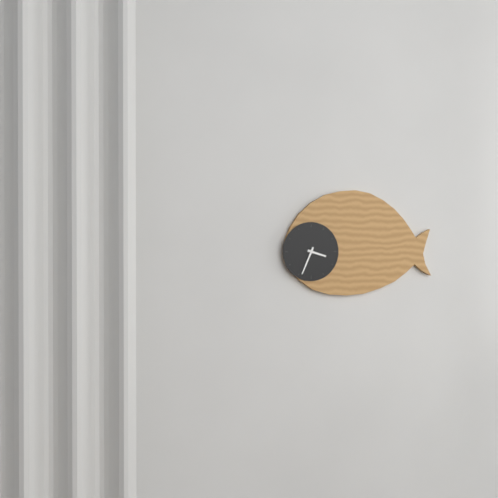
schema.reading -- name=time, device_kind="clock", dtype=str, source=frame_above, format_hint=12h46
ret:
3h34
